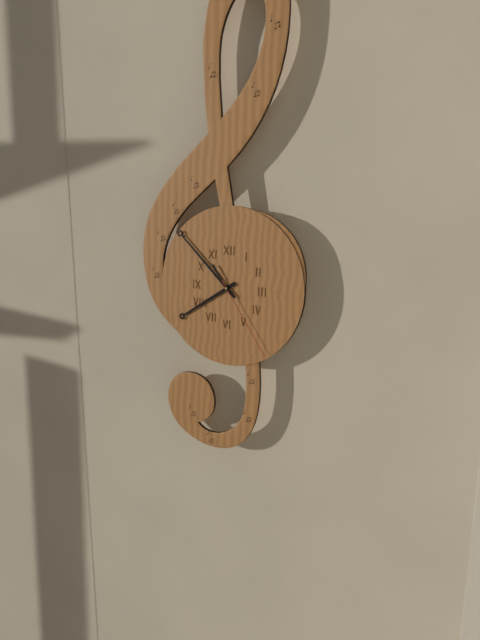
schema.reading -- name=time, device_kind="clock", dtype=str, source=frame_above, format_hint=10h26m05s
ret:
7h52m24s
